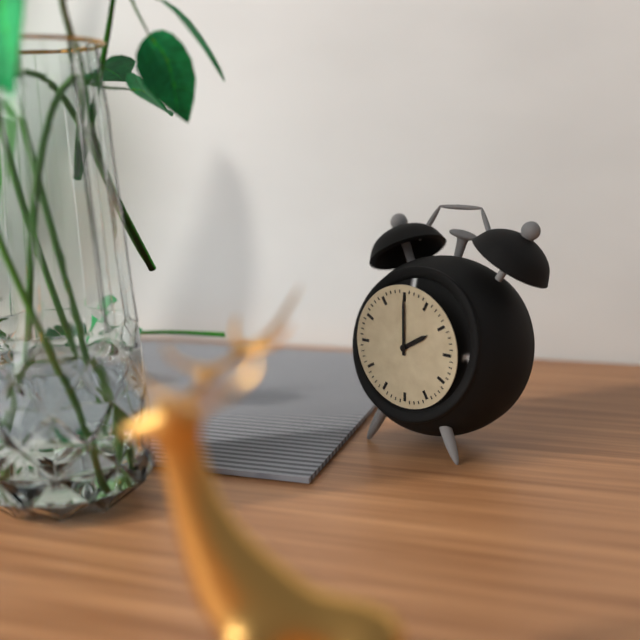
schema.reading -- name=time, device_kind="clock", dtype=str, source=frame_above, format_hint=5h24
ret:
2h00
